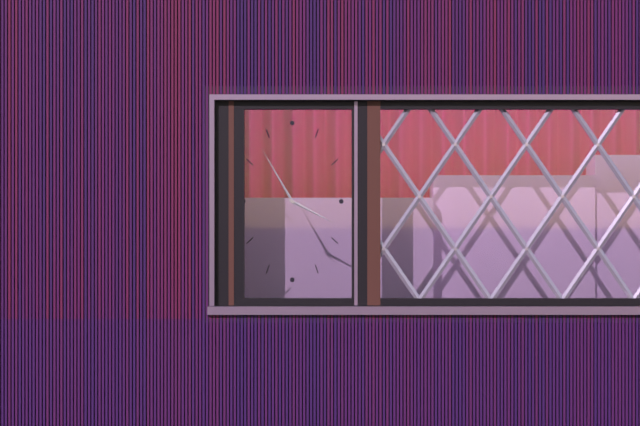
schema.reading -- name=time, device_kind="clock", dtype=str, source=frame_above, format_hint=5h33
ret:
3h55
